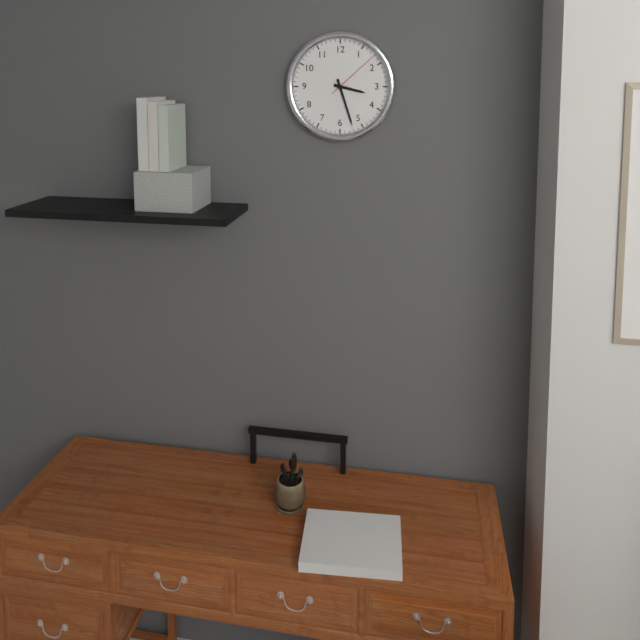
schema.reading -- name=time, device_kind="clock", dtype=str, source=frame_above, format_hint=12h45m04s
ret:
3h27m08s
